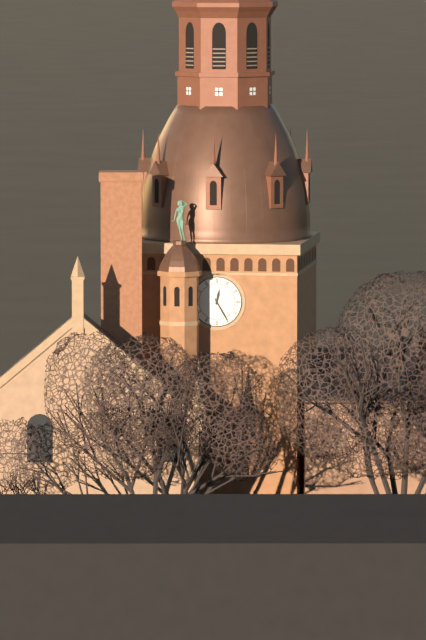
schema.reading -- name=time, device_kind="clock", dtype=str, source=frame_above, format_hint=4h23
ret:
12h25
